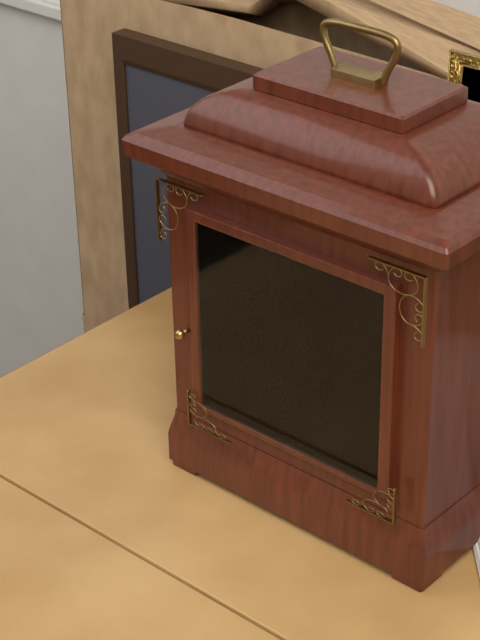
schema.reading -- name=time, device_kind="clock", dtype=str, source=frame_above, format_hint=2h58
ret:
2h23
